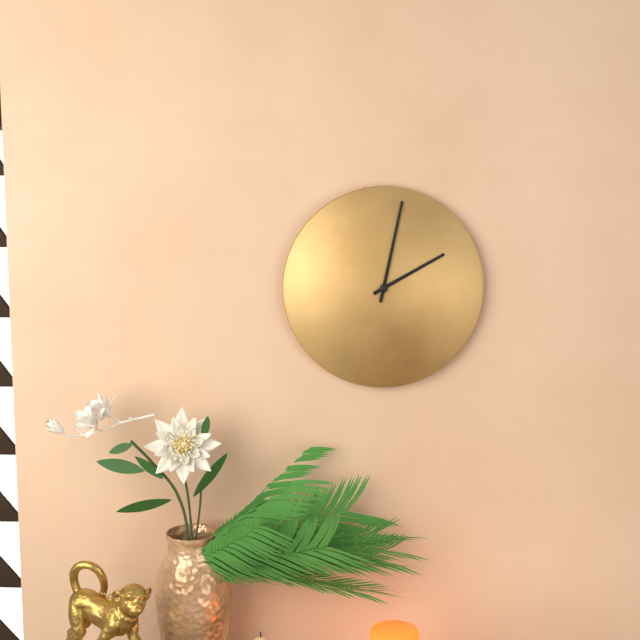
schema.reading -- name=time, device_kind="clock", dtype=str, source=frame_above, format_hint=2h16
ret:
2h02
